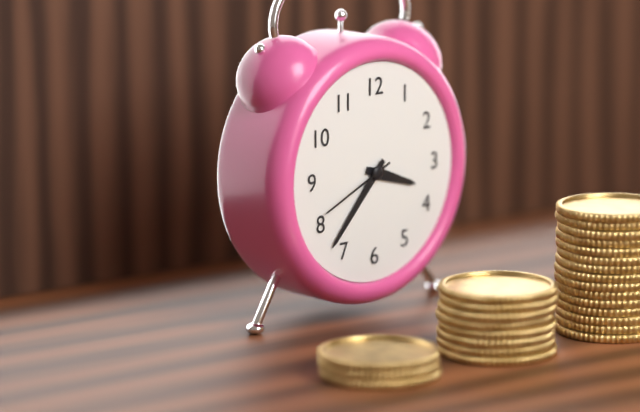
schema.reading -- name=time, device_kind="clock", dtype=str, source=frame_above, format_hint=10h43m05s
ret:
3h37m41s
